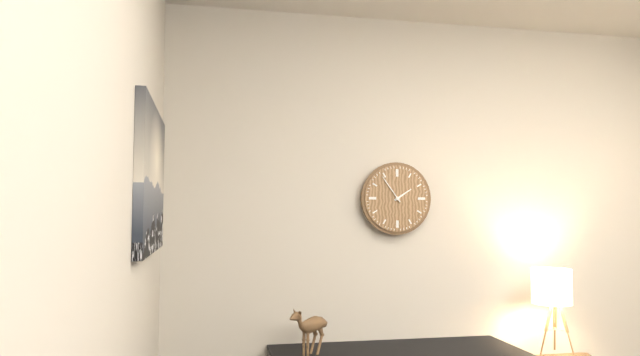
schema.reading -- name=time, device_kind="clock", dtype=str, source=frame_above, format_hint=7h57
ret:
1h54
